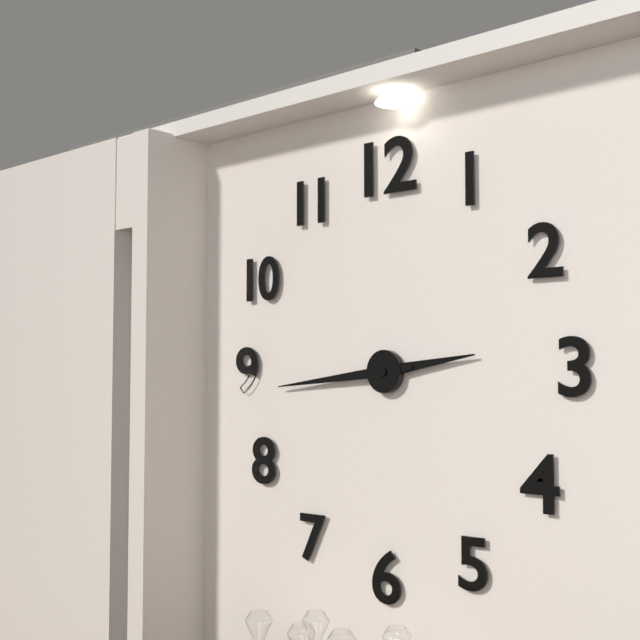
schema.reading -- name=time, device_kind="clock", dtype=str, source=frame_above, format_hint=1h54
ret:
2h44
